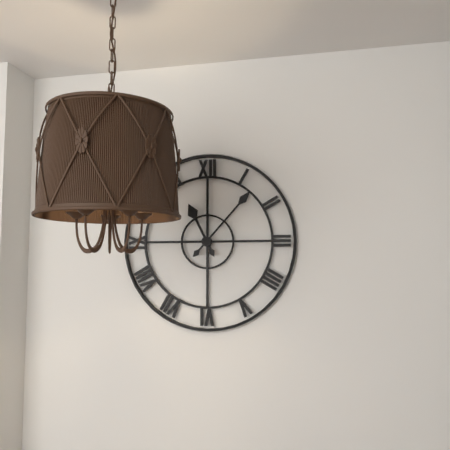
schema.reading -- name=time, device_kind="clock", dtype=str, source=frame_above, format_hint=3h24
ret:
11h07
